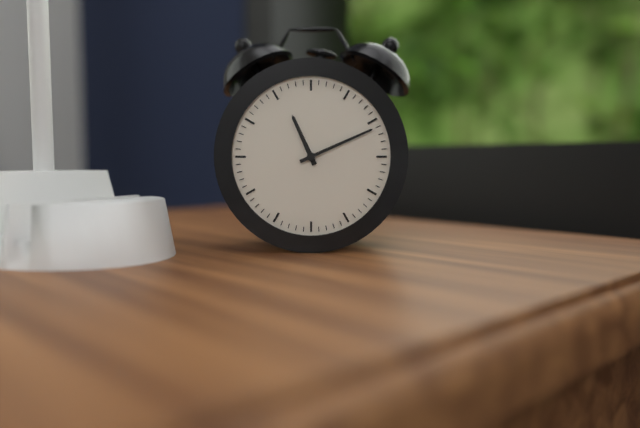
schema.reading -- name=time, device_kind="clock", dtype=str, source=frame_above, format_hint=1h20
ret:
11h11
